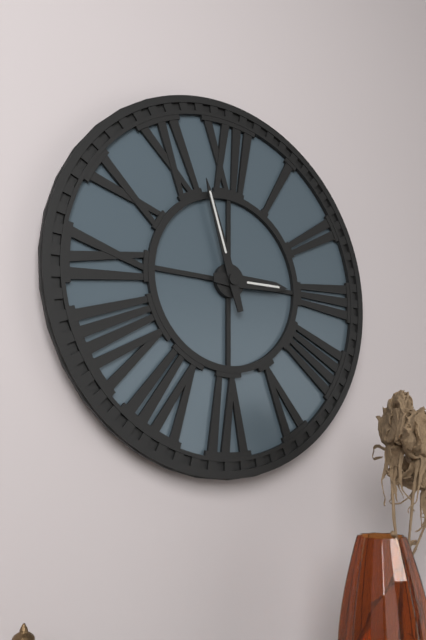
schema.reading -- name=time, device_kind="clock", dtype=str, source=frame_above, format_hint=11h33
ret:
2h57
